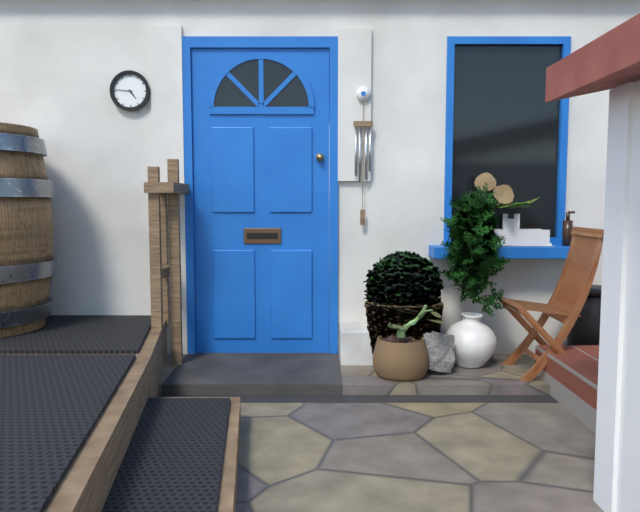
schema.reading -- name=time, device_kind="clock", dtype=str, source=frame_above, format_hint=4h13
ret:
4h46
